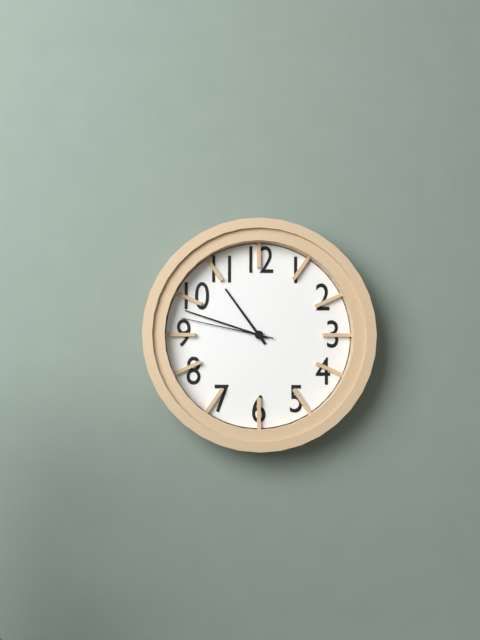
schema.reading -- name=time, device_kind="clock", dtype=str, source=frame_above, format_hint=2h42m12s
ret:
10h48m47s
